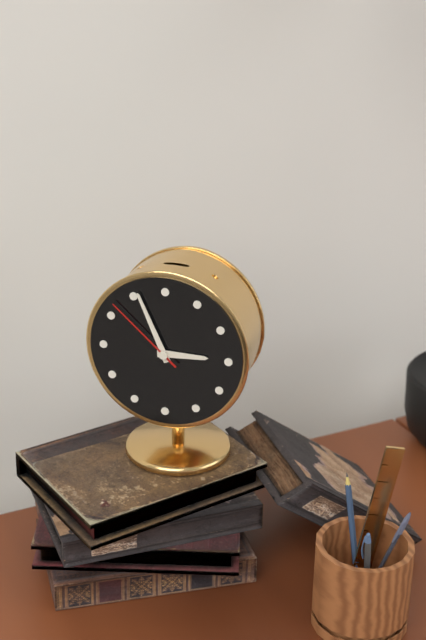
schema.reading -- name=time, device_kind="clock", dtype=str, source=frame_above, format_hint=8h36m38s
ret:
2h56m52s
